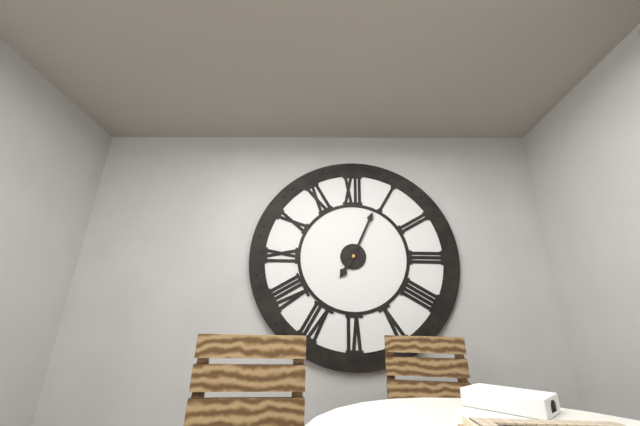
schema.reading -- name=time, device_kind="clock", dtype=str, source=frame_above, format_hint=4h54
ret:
7h04
